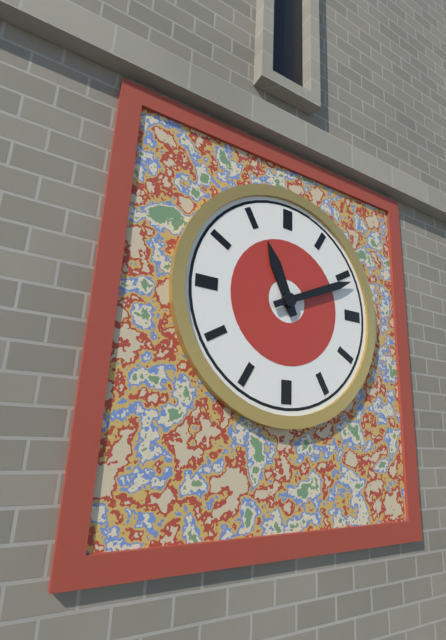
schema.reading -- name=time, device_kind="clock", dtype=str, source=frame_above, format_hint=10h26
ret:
11h11
